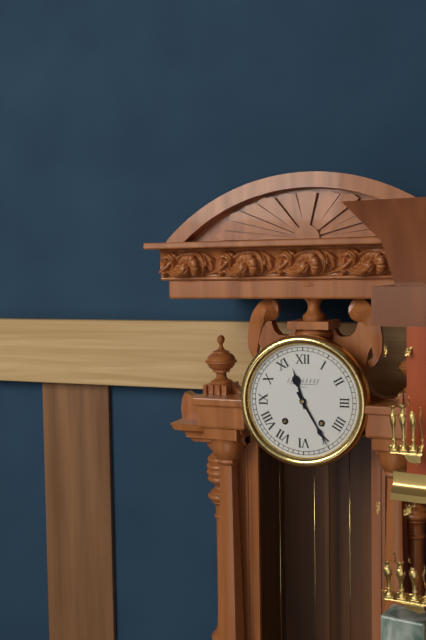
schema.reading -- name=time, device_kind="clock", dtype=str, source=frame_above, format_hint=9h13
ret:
11h25
